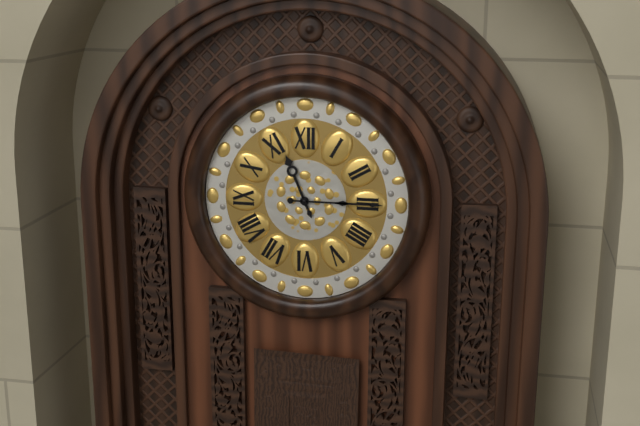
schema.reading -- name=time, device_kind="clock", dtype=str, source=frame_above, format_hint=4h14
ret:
11h15
